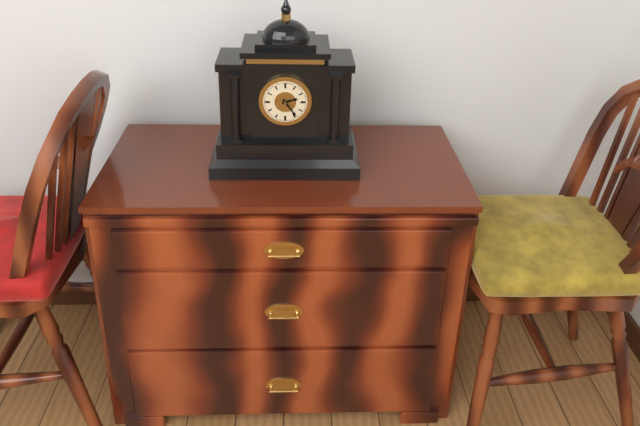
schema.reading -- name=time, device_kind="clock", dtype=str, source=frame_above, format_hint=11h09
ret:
2h24
